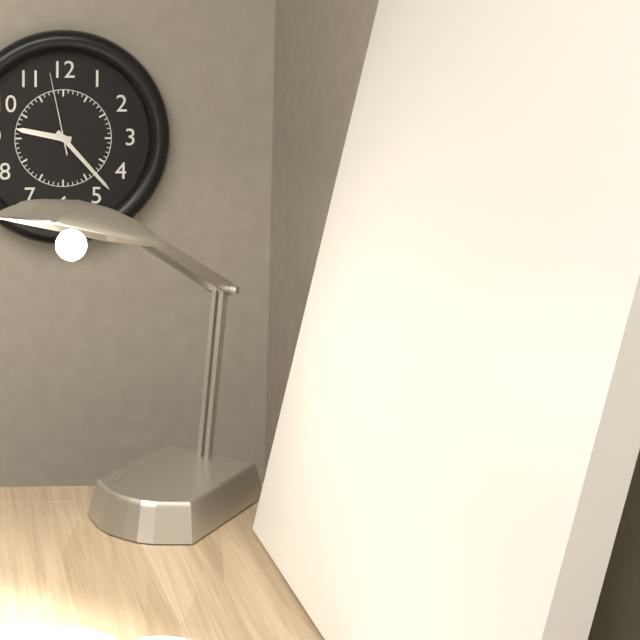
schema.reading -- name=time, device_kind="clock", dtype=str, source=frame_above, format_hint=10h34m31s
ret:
9h23m58s
